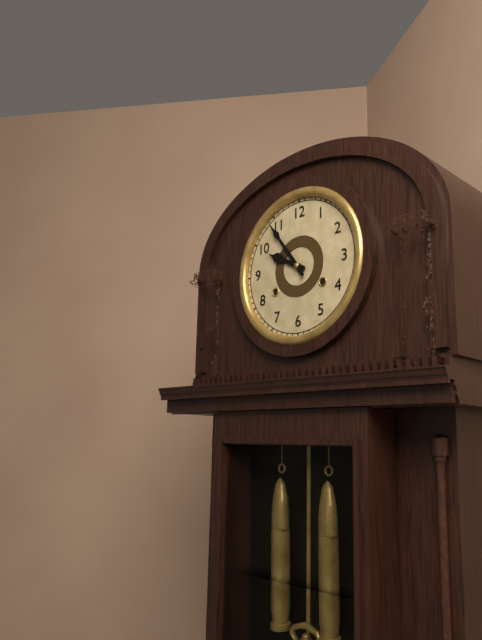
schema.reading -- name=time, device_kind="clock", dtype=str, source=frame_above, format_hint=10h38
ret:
9h54
